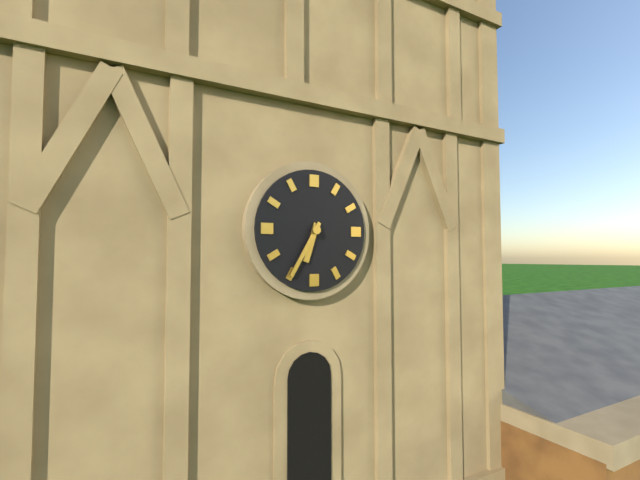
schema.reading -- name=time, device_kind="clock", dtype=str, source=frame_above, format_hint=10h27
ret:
6h35
